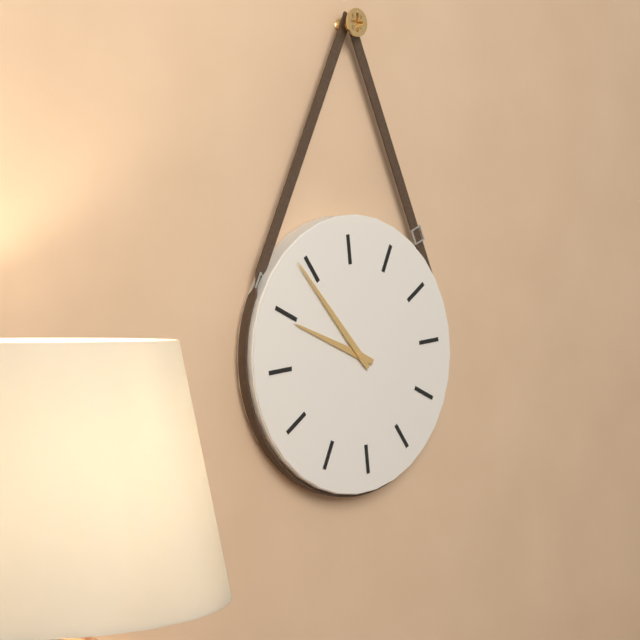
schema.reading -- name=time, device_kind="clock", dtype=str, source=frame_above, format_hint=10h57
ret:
9h54
